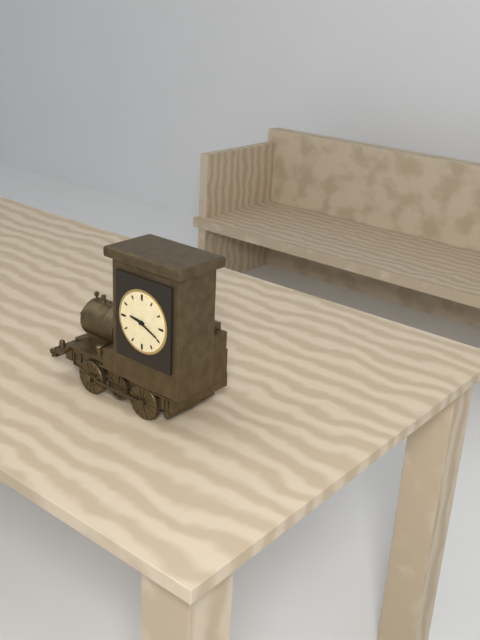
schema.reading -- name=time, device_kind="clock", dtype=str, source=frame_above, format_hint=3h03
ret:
9h19
